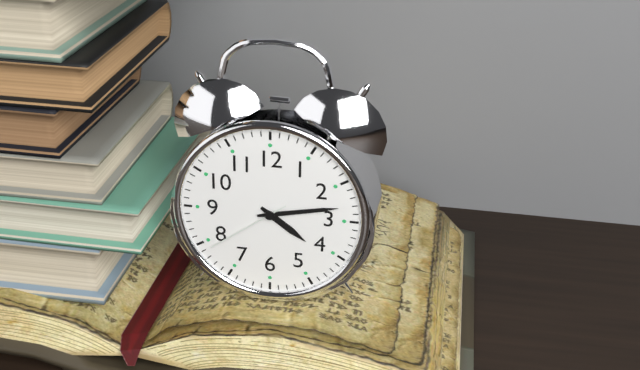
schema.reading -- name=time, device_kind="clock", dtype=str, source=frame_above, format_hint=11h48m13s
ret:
4h13m39s
